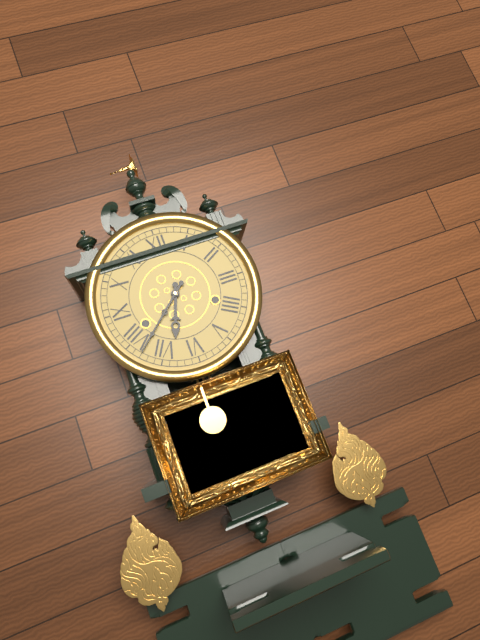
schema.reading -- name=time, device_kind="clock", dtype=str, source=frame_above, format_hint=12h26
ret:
6h38
